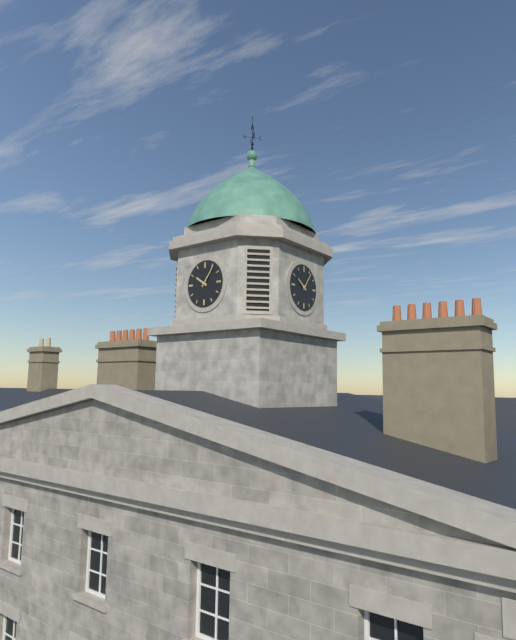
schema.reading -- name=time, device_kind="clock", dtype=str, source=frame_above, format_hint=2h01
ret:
10h06
